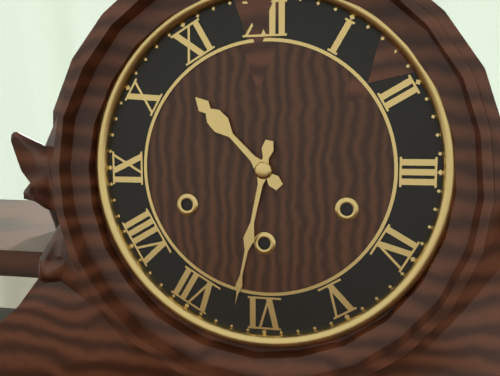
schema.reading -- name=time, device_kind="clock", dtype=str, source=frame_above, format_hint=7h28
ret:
10h32
